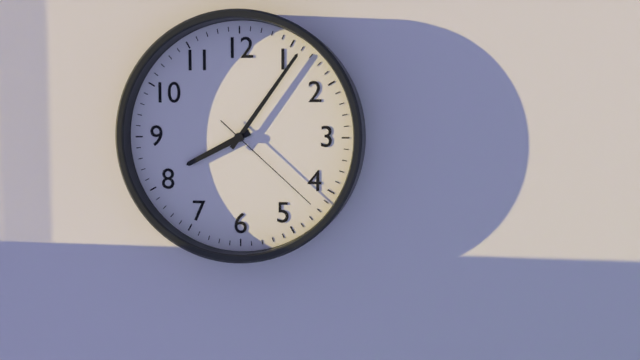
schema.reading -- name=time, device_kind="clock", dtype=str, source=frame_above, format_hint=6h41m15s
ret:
8h06m22s
